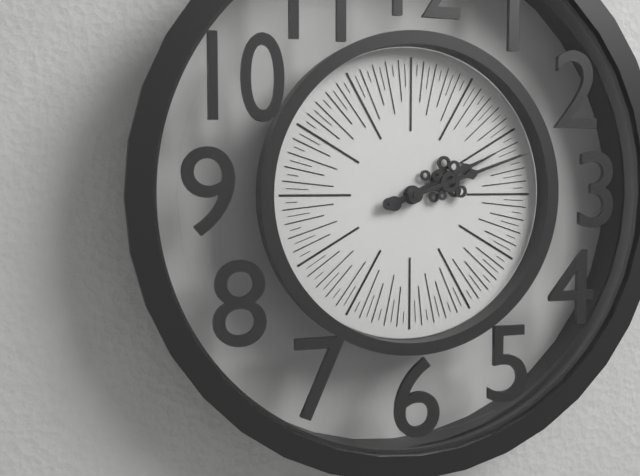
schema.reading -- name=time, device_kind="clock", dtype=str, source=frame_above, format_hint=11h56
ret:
2h12
